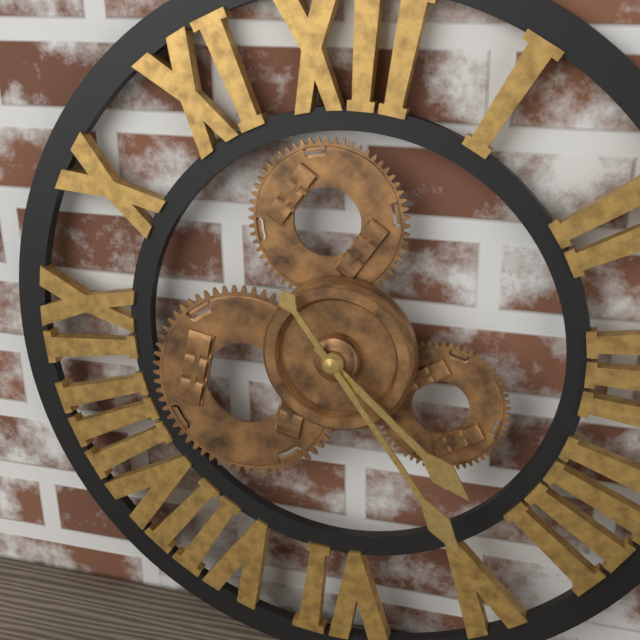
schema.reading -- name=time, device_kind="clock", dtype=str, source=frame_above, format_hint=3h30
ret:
4h24
